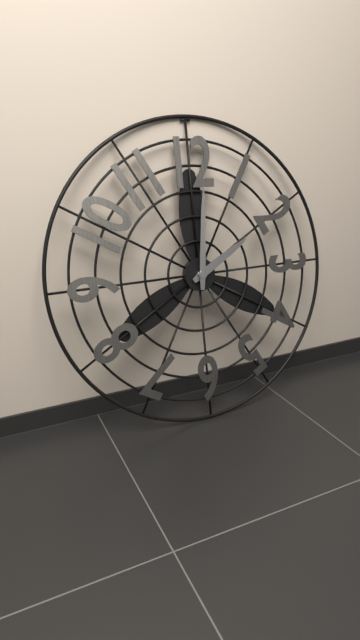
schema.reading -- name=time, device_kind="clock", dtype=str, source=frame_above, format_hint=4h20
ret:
2h01
